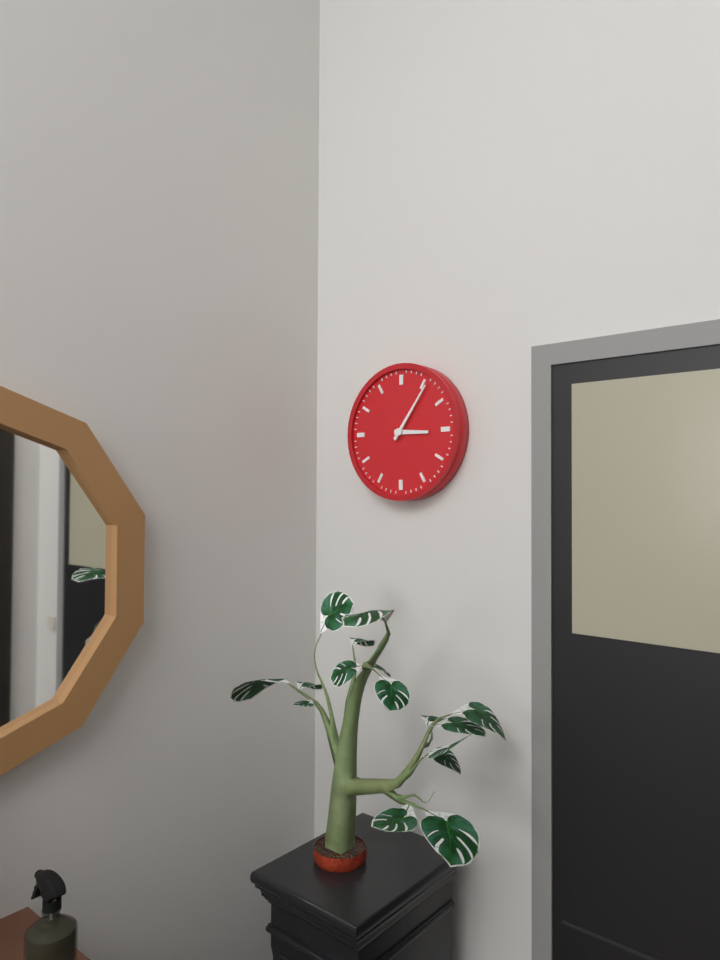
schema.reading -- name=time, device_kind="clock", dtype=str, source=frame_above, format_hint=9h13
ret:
3h06
